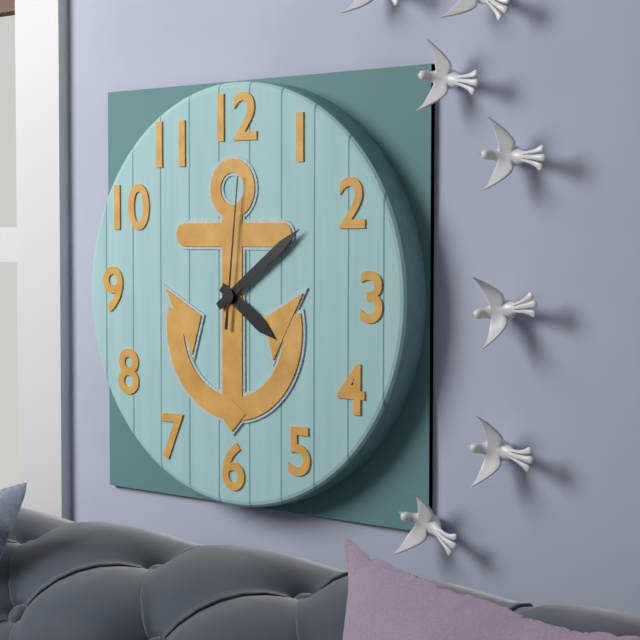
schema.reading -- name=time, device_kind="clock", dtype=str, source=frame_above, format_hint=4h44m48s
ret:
4h09m01s
